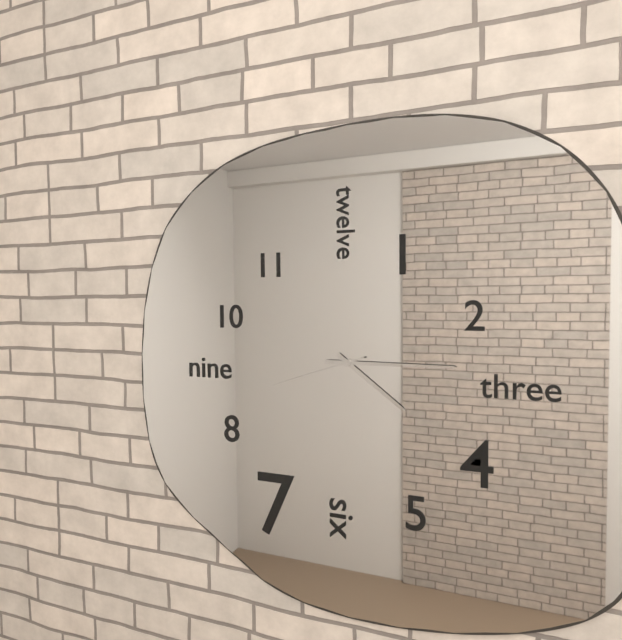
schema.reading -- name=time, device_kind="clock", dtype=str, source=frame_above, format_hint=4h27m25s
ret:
4h15m42s
